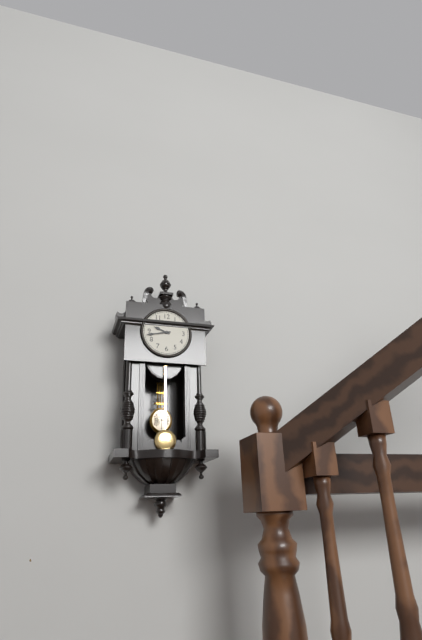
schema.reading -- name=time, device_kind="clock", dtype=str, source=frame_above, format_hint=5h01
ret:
9h43
